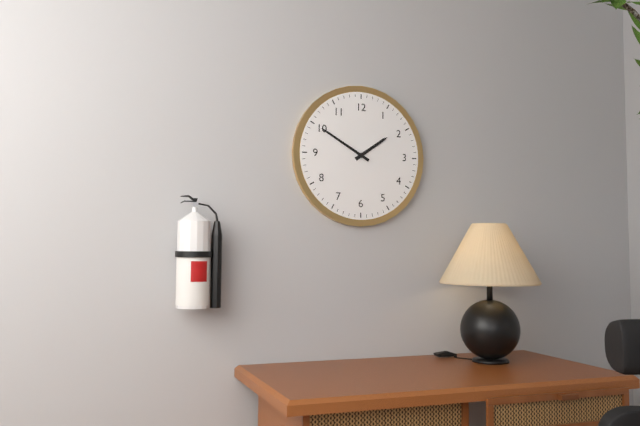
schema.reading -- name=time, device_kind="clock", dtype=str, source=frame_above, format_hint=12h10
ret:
1h50
